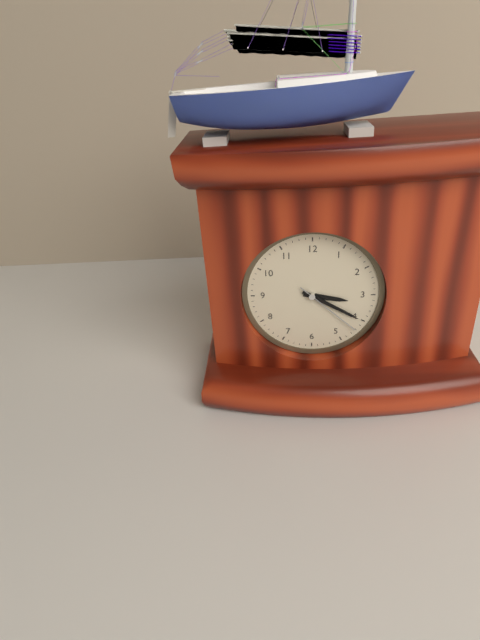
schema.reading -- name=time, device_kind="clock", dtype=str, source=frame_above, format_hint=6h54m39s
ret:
3h20m22s
